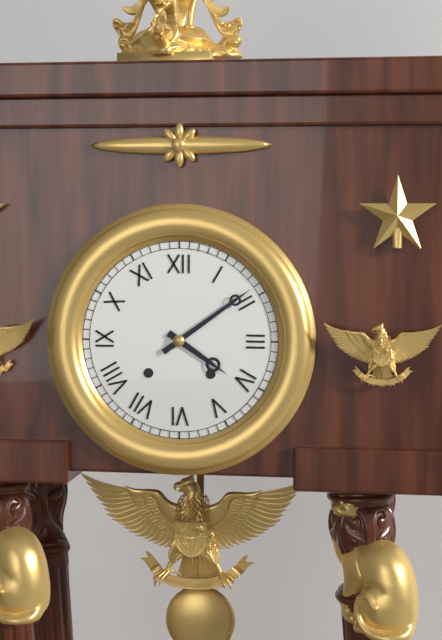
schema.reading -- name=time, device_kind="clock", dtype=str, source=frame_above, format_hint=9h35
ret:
4h09
